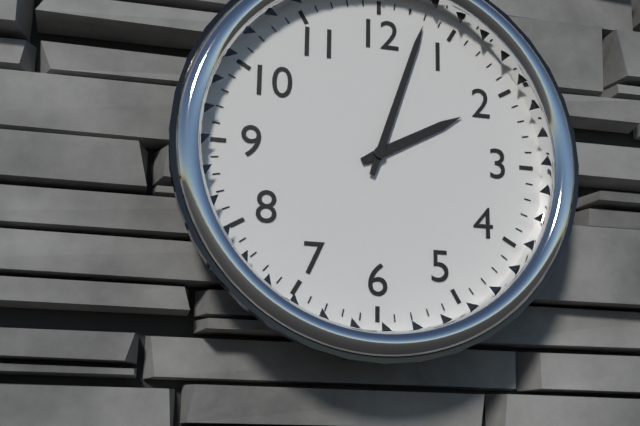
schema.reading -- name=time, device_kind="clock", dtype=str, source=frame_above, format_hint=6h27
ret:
2h03
